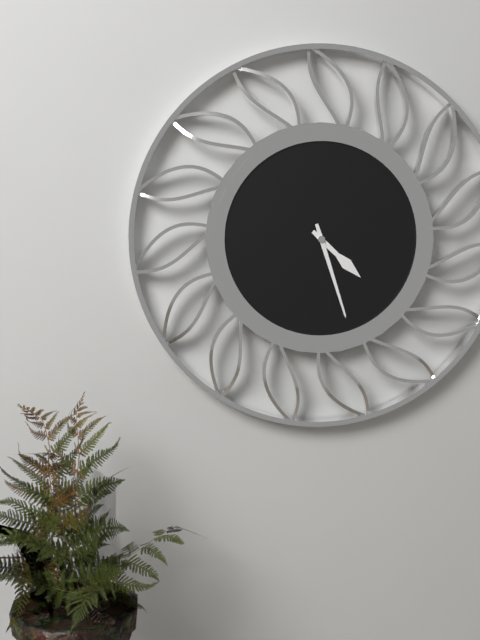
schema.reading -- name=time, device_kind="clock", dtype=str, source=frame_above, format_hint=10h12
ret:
4h27
